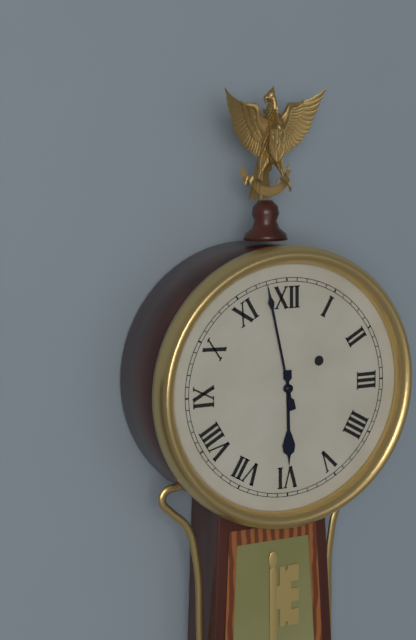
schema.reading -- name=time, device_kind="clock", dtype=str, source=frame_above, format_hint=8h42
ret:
5h58
